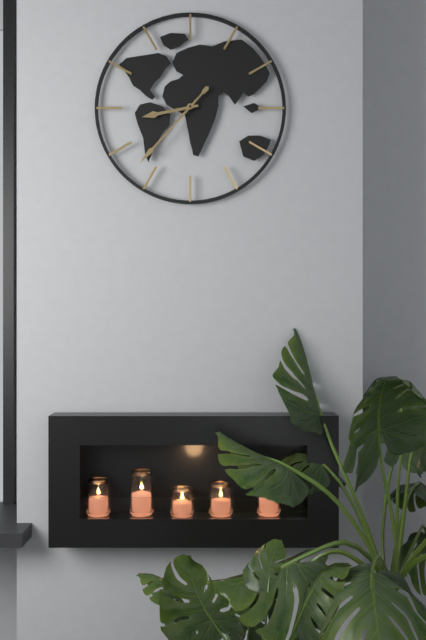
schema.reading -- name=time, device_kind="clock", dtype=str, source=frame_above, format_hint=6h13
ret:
8h37
